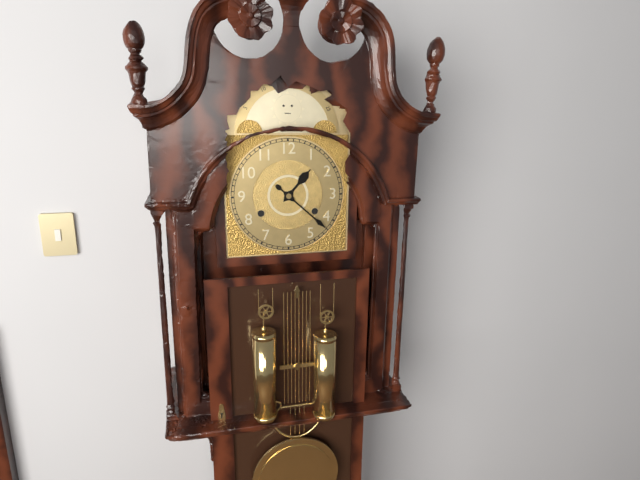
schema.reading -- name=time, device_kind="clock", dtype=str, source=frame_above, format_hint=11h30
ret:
1h22
